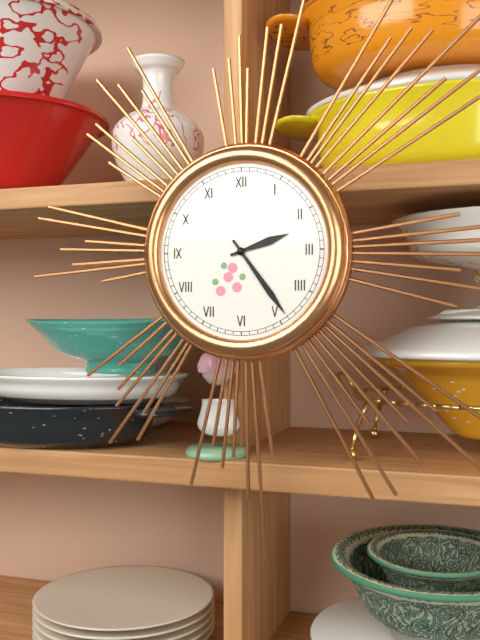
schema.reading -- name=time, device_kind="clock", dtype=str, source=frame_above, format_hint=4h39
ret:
2h24
